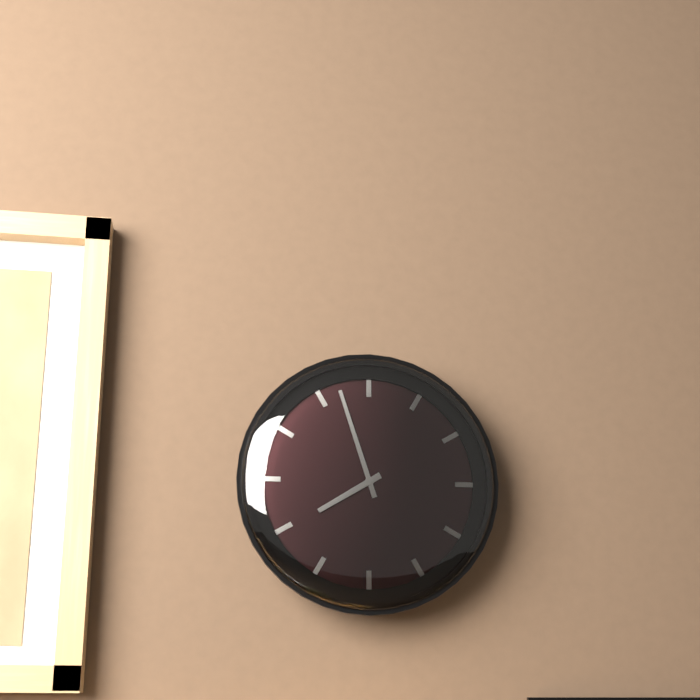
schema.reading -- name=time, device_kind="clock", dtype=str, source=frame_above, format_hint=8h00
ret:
7h57
